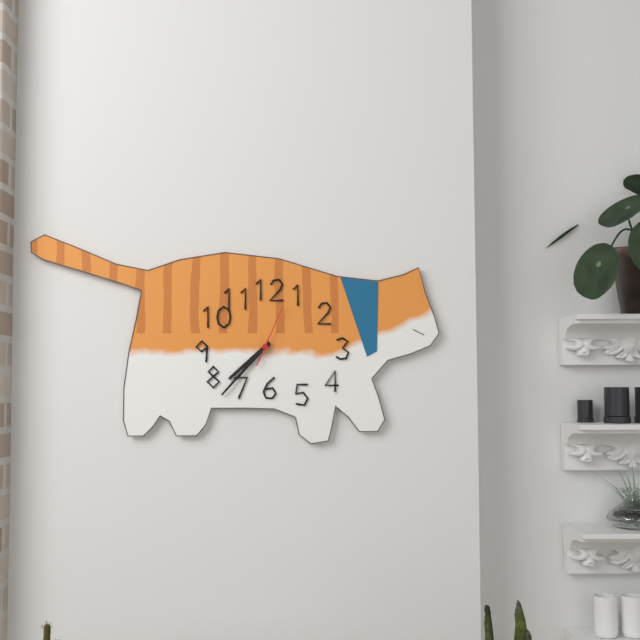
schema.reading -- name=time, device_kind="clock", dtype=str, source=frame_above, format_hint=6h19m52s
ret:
7h37m04s
